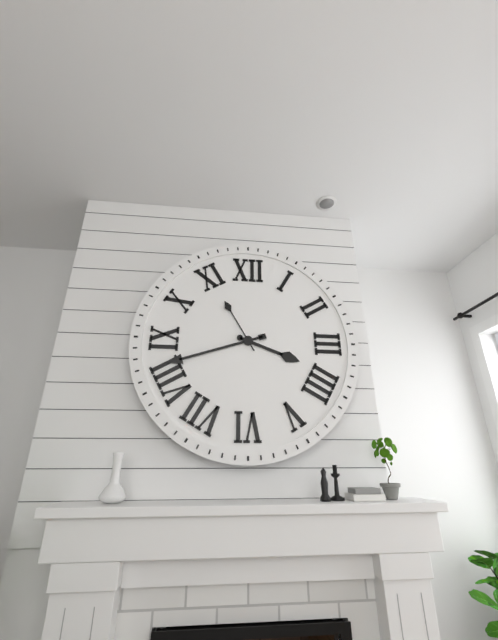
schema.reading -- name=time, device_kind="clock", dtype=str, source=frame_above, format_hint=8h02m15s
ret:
3h42m55s
